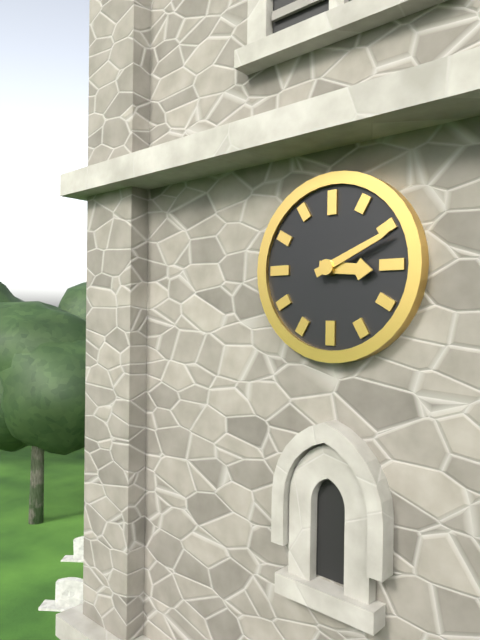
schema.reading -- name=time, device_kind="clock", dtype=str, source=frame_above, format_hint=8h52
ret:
3h11
